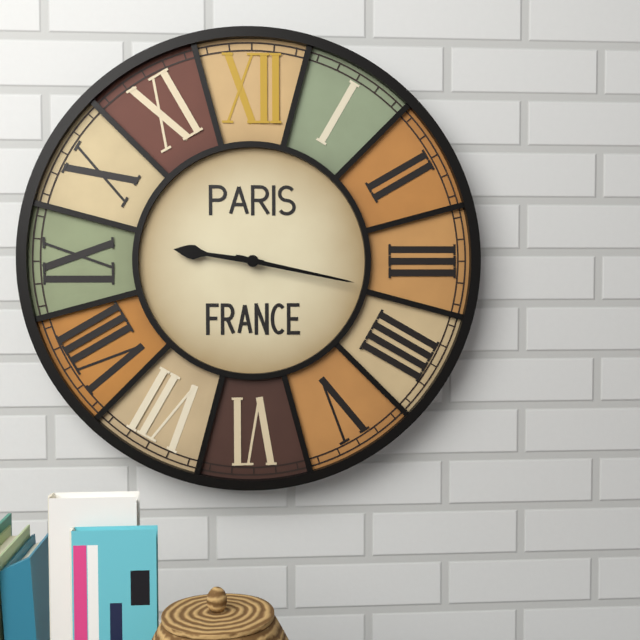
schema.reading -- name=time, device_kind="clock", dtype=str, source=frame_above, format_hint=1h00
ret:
9h17
